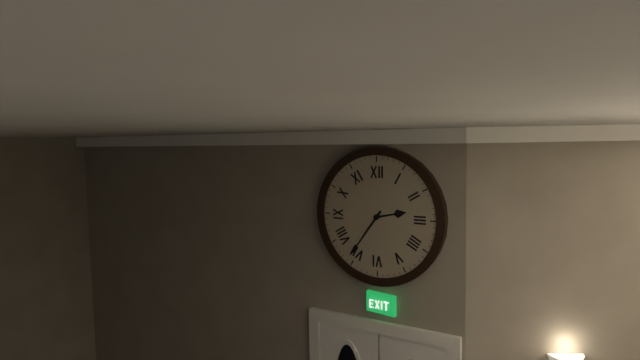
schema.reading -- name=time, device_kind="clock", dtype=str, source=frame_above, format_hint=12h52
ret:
2h36
